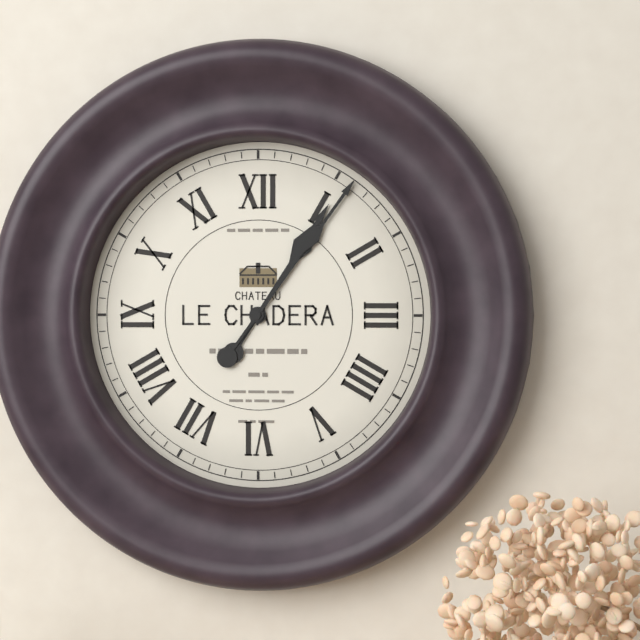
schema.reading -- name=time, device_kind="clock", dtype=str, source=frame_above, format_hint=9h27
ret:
1h06
